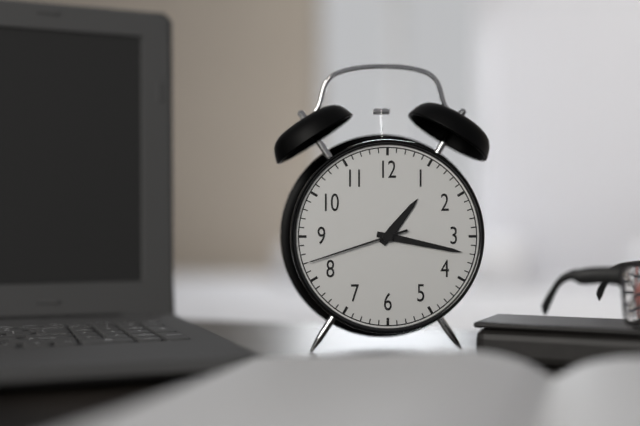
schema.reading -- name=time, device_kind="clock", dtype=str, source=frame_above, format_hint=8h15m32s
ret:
1h17m42s
